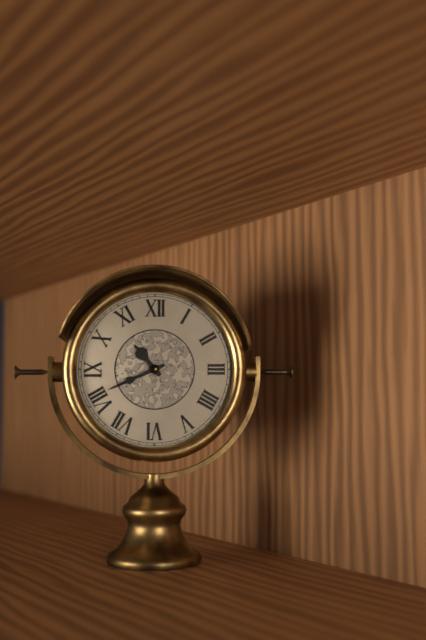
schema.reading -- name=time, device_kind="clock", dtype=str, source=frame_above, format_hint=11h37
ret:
10h41
